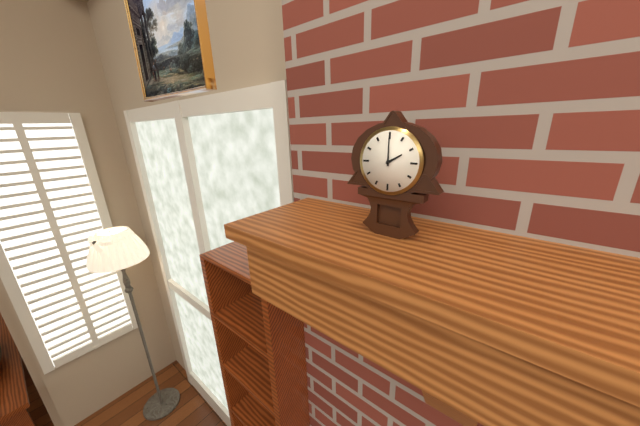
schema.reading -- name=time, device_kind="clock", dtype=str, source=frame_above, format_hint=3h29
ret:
2h00
